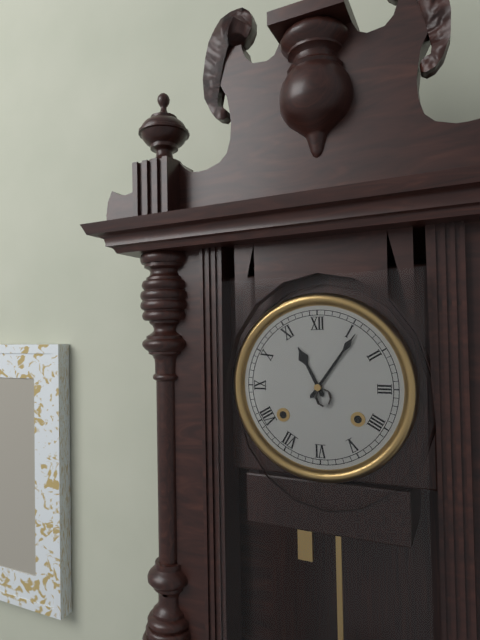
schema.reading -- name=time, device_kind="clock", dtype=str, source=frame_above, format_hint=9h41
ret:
11h06
